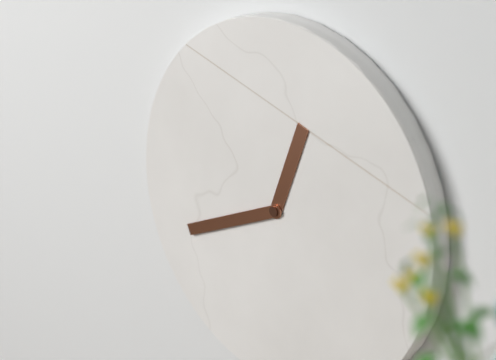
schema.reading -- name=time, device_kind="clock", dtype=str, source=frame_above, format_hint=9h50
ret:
12h41
